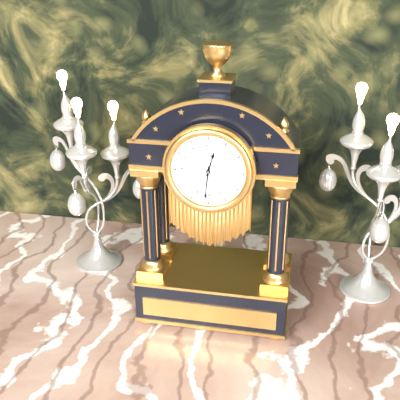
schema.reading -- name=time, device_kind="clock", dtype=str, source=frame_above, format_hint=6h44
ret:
12h31
